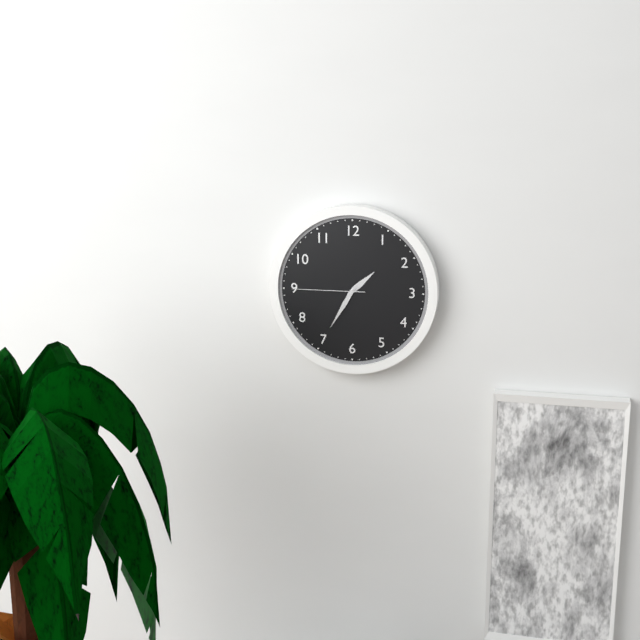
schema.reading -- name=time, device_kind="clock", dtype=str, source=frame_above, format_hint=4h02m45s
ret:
1h35m45s
